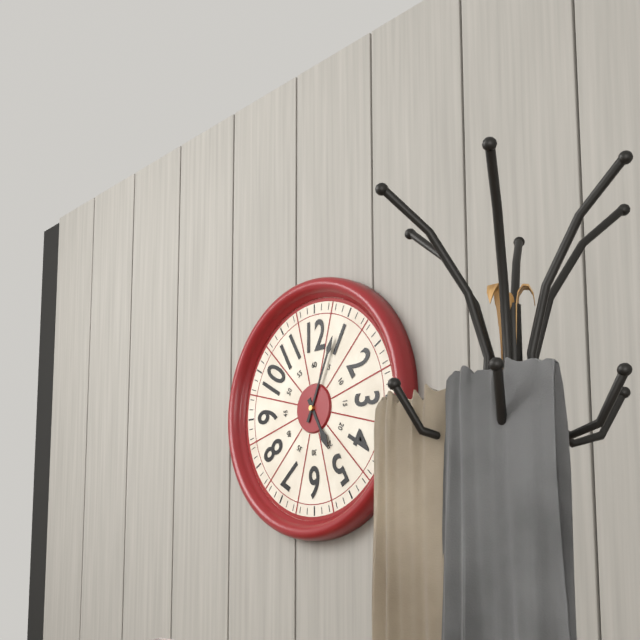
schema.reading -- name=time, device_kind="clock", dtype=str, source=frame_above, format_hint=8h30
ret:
5h04
